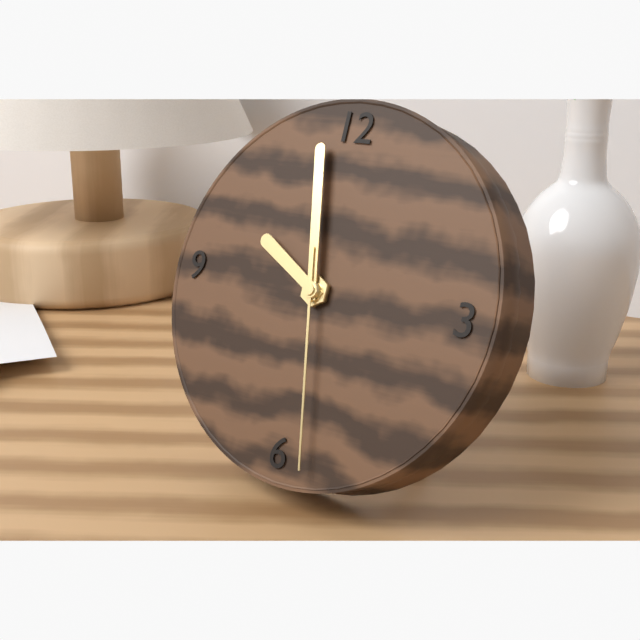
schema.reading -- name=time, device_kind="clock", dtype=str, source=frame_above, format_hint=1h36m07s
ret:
9h58m28s
